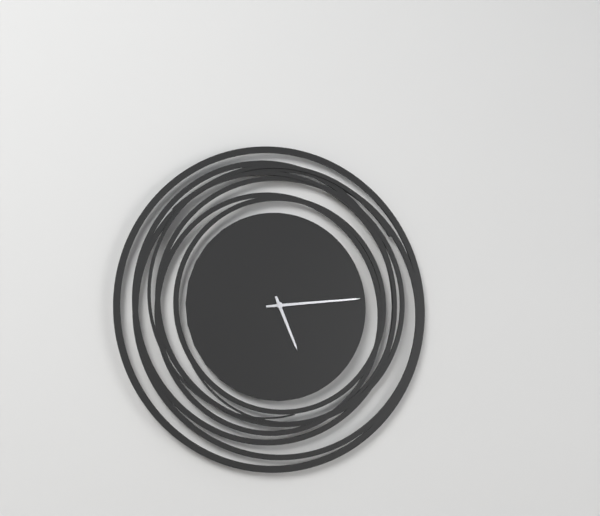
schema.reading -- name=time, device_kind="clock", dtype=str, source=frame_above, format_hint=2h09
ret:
5h14
